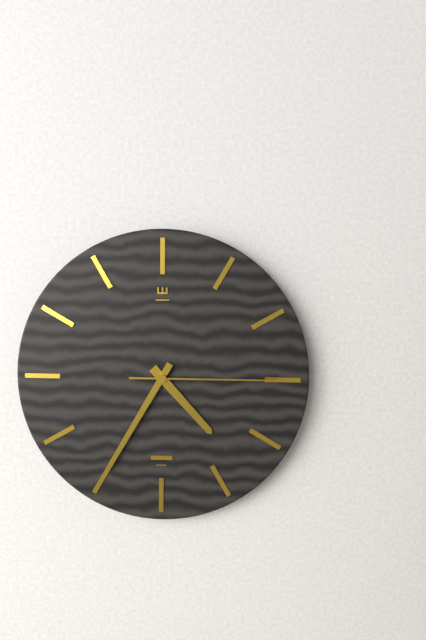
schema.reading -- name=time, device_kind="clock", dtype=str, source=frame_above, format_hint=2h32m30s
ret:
4h35m15s
